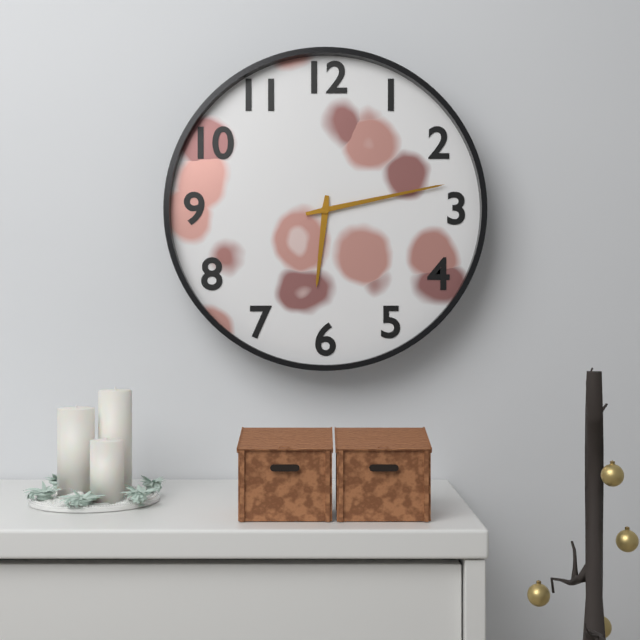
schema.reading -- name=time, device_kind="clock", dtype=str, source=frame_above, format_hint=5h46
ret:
6h13
